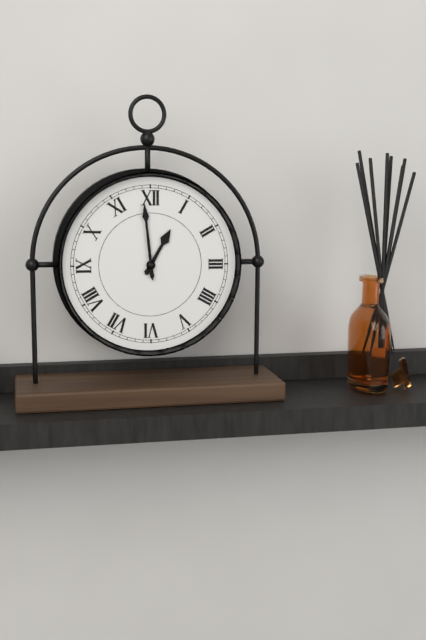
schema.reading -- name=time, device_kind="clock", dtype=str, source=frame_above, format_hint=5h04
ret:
12h59
